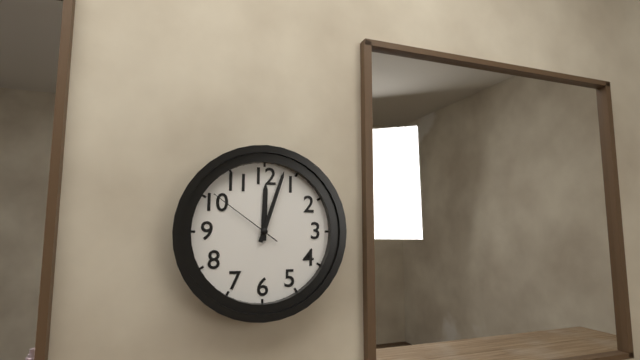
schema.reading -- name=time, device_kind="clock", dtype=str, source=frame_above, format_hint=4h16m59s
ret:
12h03m51s
